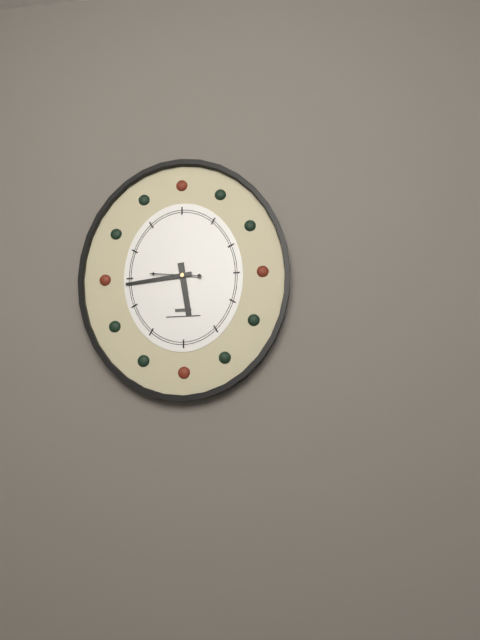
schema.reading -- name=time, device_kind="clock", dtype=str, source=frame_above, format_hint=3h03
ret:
5h44
